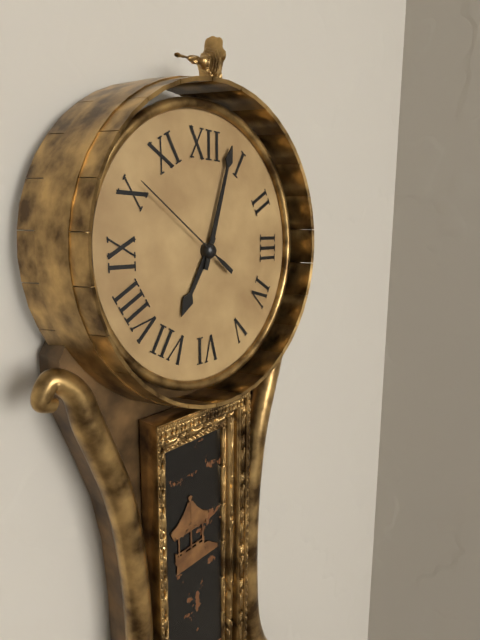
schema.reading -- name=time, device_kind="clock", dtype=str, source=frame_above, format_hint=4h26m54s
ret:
7h03m51s
